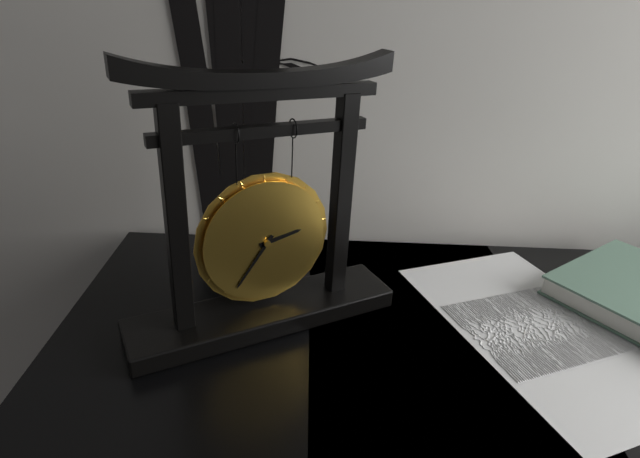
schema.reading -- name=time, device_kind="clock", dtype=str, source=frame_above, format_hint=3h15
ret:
2h36
